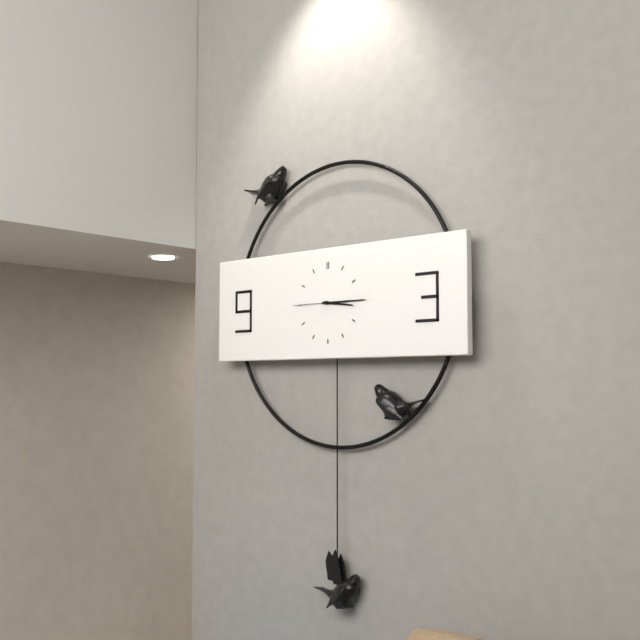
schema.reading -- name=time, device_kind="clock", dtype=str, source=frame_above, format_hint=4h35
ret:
3h15
